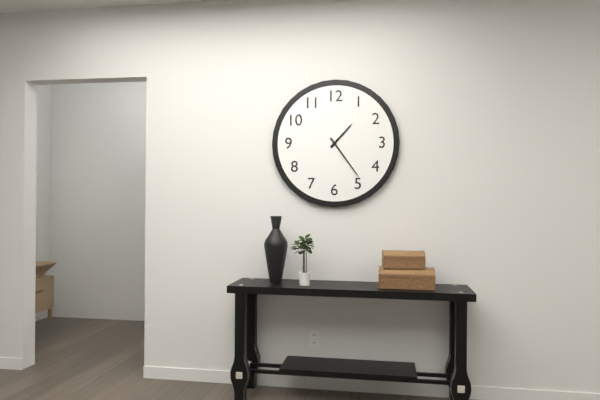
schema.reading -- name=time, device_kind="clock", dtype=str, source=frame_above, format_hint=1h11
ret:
1h24
